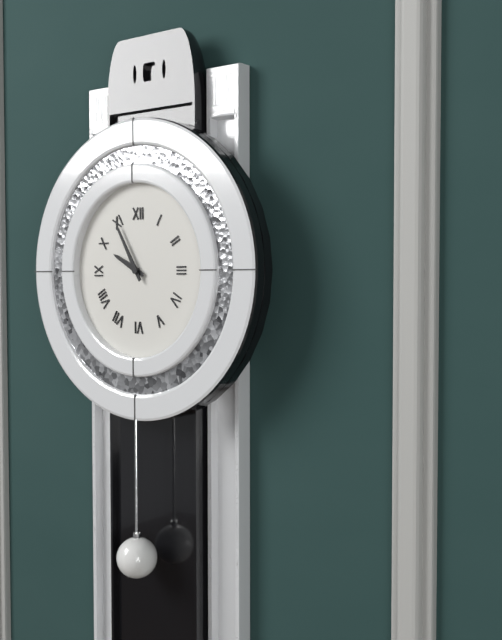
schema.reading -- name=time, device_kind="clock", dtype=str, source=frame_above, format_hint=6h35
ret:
9h55
